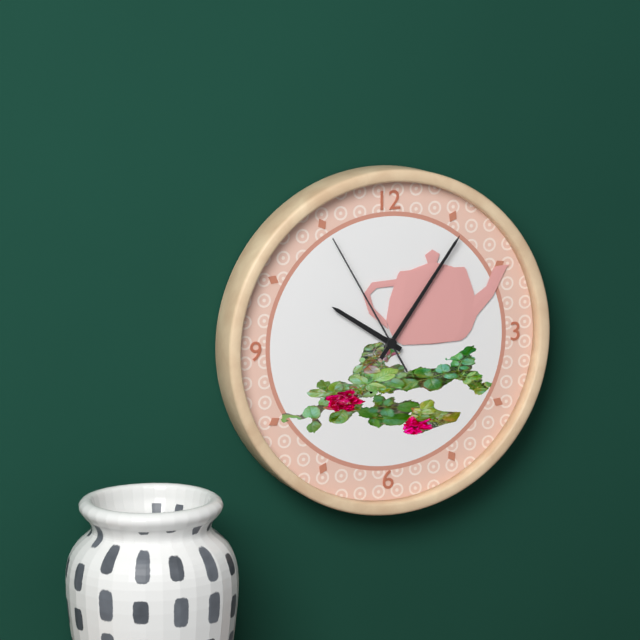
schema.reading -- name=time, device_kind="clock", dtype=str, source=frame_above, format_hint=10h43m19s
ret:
10h06m55s
